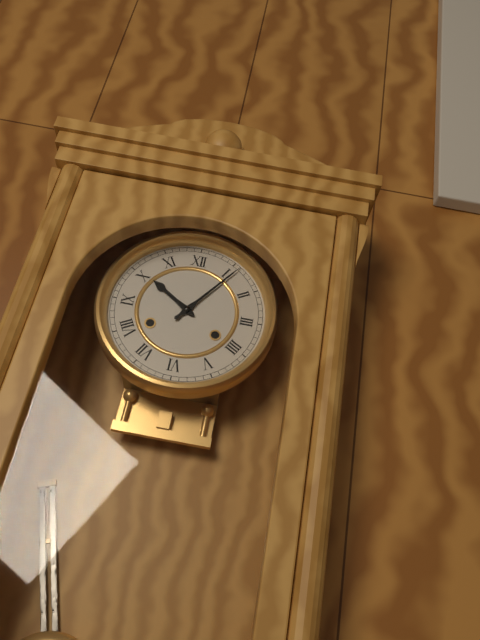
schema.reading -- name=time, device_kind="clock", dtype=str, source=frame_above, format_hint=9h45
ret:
10h06
